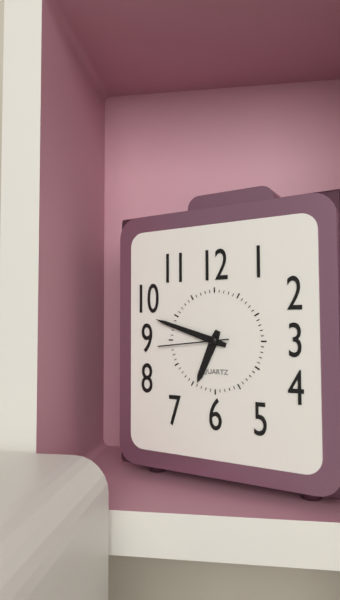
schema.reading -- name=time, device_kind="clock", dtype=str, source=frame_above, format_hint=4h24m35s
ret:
6h48m44s
